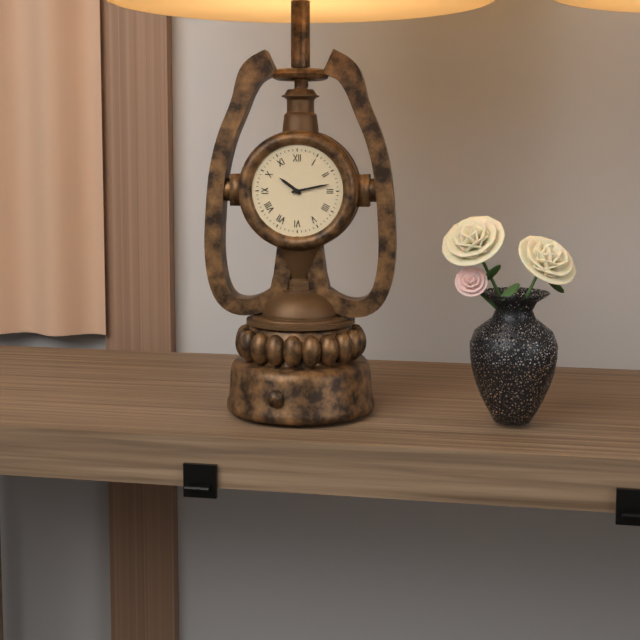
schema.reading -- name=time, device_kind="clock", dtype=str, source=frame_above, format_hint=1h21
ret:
10h13
